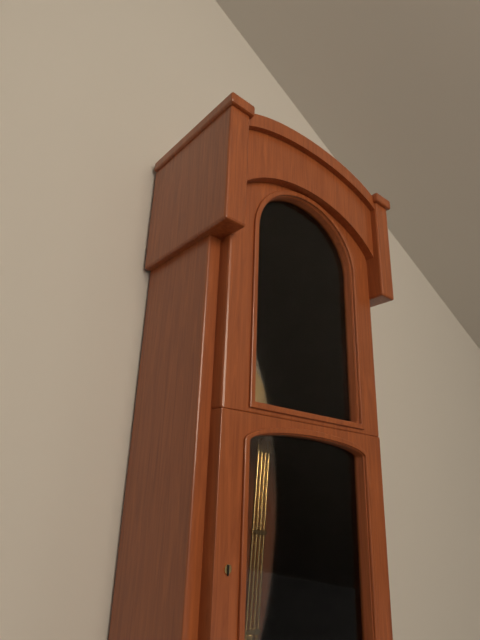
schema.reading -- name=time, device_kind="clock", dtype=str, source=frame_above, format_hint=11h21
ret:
2h37
